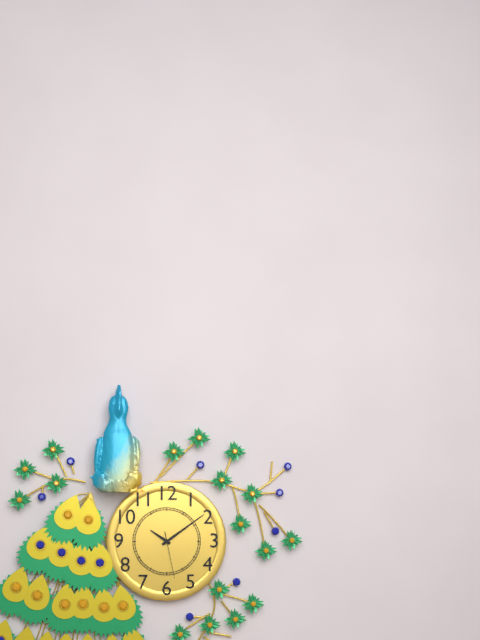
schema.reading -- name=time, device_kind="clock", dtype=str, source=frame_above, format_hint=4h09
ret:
10h09
